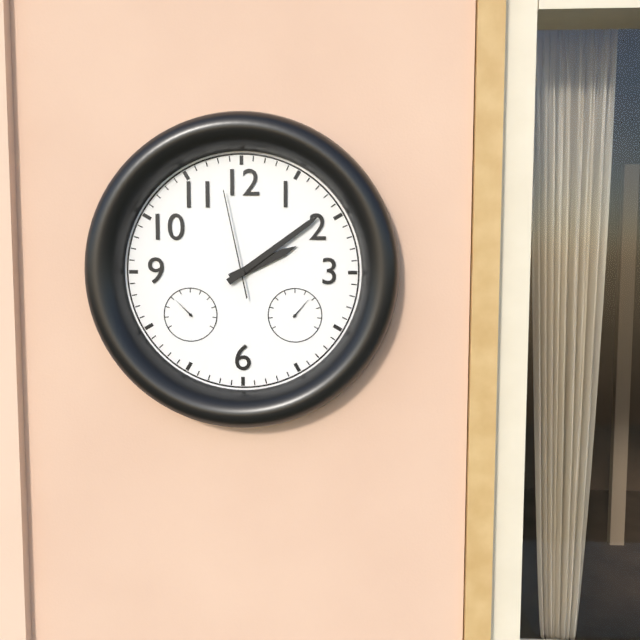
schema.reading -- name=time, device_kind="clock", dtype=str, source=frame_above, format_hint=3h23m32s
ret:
2h09m58s
